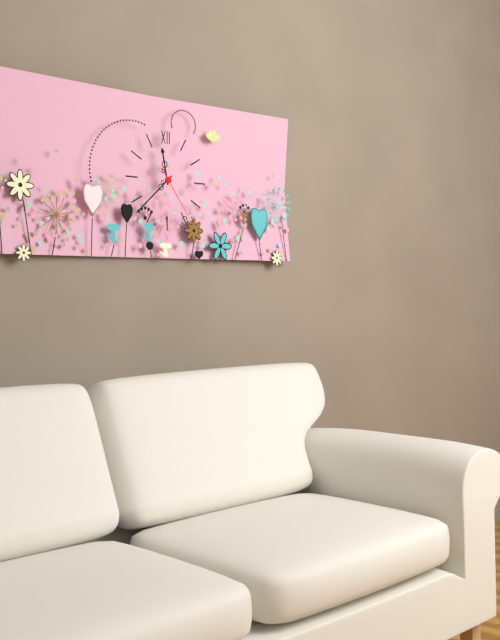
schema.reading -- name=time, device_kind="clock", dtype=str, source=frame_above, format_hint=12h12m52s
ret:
11h38m24s
